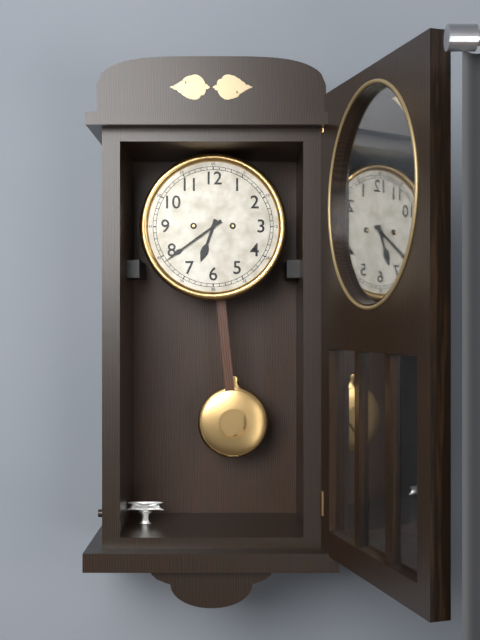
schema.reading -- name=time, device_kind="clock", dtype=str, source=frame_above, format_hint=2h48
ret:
6h39
